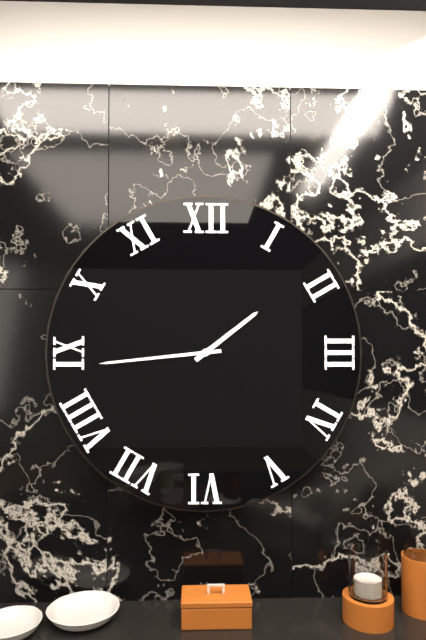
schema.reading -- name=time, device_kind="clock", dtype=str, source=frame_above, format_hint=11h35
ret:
1h44
